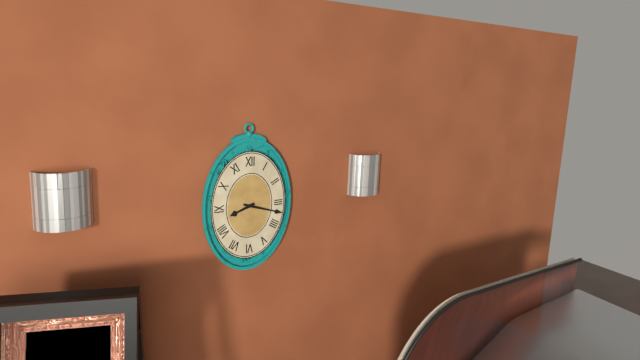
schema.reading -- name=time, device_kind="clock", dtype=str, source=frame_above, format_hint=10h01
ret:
8h18
